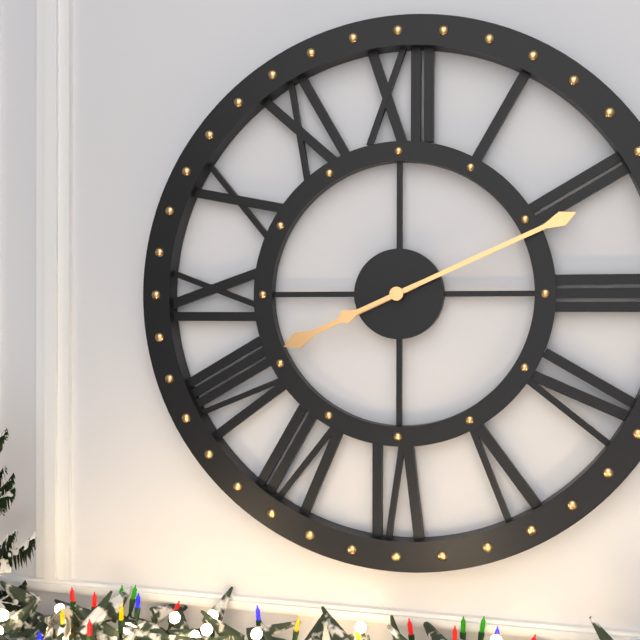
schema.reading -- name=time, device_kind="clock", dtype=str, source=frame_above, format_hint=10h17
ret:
8h11
